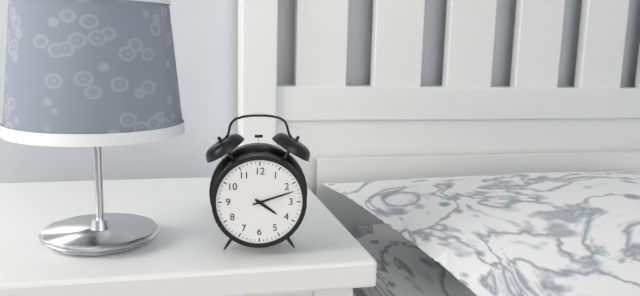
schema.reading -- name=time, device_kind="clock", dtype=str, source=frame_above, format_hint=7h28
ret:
4h12
